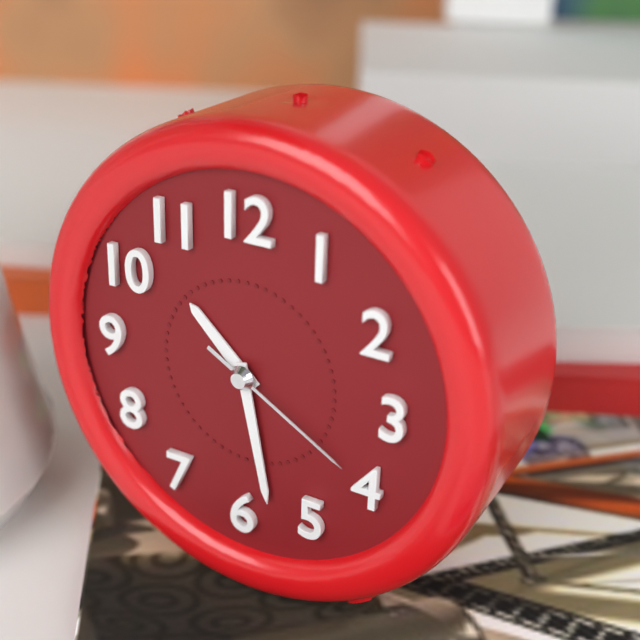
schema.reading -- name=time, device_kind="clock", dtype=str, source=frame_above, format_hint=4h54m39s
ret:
10h28m20s
